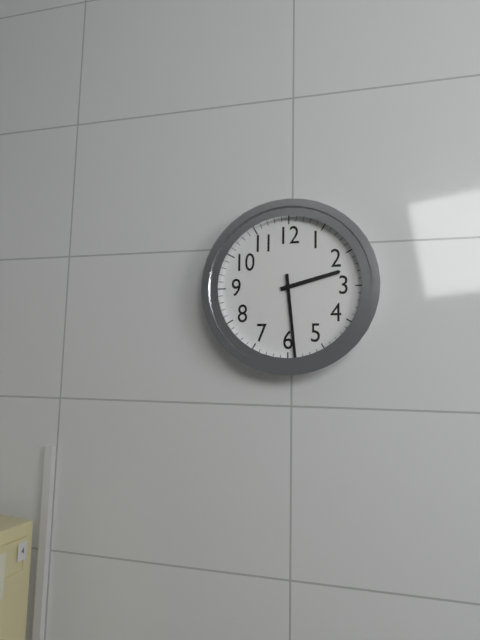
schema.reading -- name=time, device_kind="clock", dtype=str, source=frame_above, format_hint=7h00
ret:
2h29
